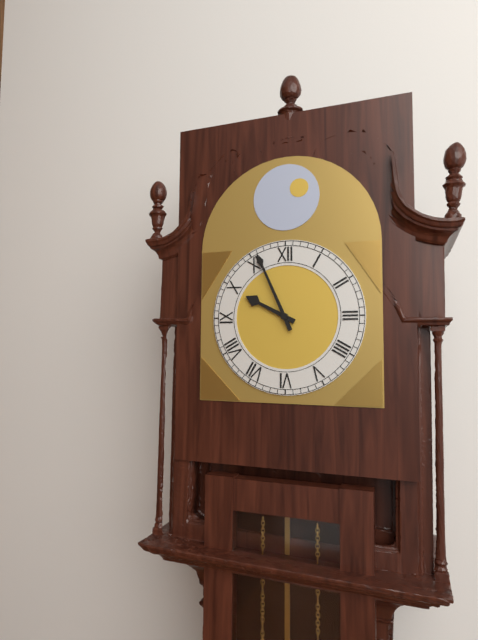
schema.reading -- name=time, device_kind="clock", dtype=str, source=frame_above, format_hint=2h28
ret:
9h56
